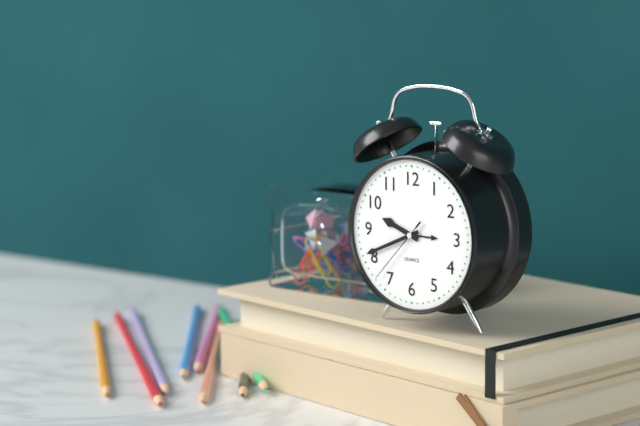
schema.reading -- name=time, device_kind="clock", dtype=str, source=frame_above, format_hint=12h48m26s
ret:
9h41m37s
